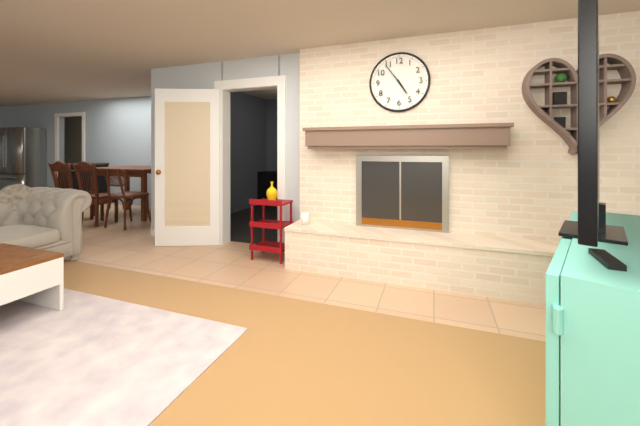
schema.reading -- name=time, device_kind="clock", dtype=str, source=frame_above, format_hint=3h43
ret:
4h54
